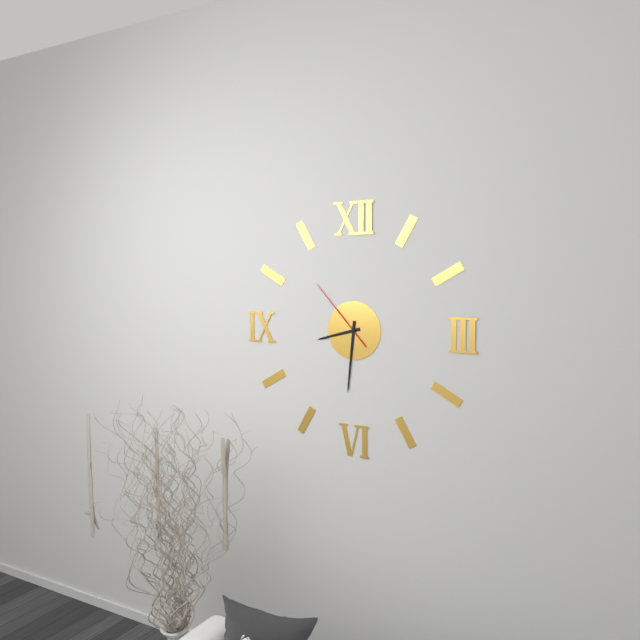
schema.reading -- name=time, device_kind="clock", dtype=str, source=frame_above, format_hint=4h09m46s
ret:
8h31m53s
